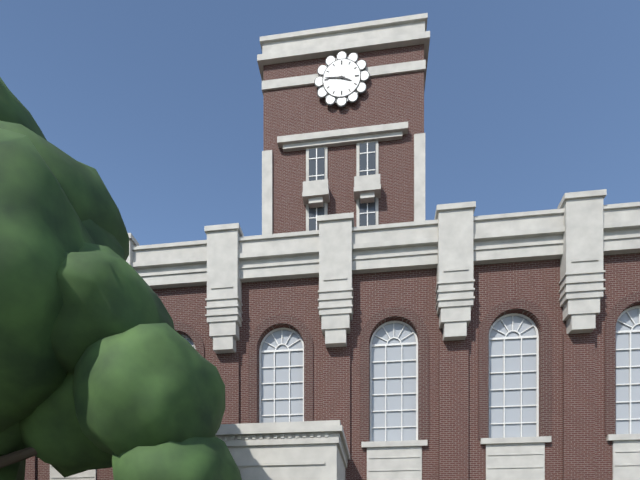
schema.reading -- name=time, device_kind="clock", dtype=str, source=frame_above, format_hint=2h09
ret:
3h46
